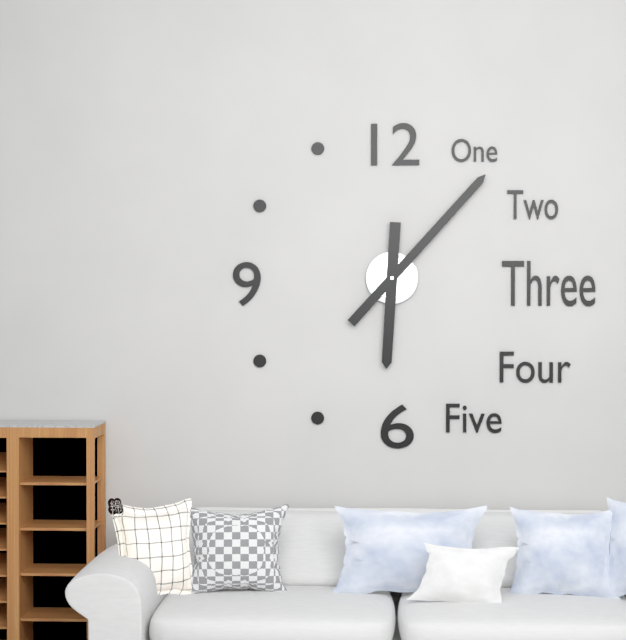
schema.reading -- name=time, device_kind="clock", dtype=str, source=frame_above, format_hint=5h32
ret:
6h07
